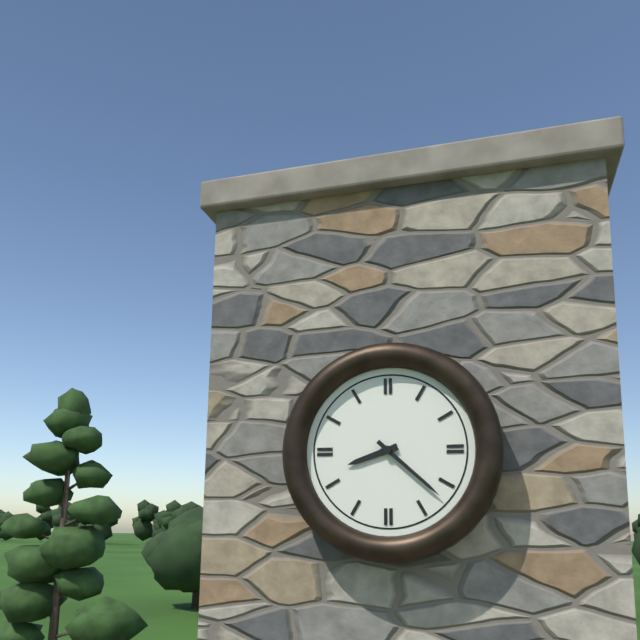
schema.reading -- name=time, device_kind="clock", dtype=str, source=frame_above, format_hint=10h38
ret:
8h22
